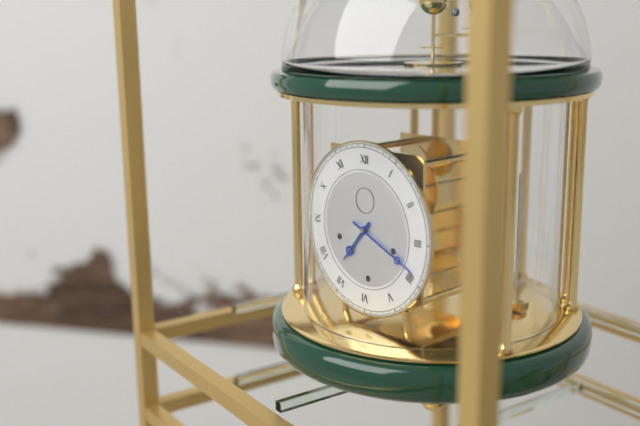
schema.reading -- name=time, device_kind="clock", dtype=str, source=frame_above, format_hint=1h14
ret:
7h19
